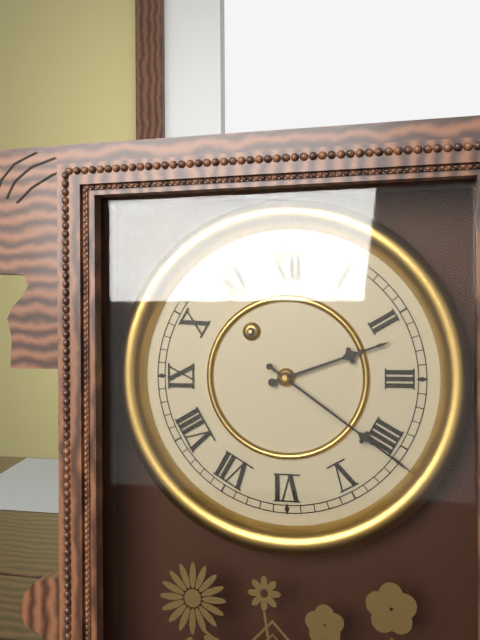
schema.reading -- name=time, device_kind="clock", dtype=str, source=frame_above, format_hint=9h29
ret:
2h21
